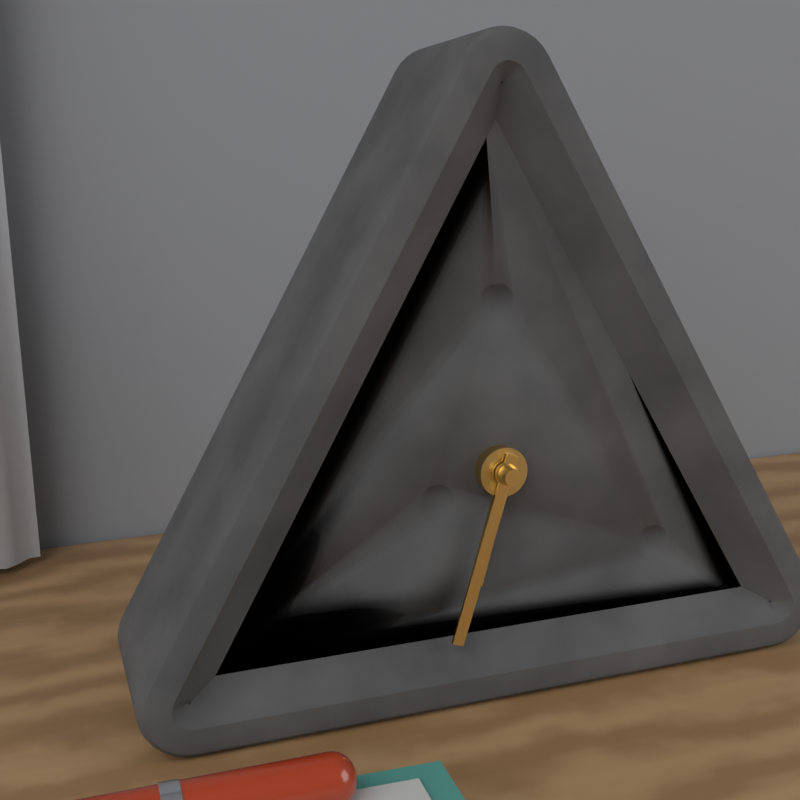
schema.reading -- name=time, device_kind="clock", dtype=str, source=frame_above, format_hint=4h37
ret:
6h33
